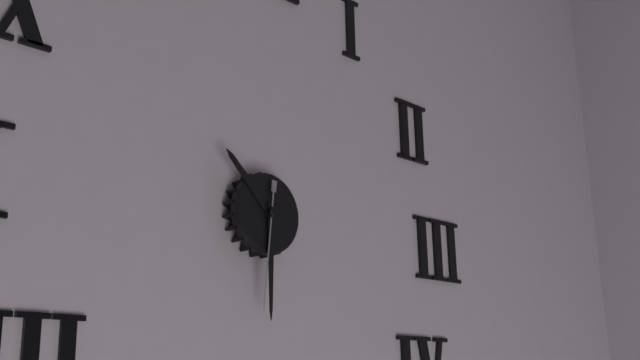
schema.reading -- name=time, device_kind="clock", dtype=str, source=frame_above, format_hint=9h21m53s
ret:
10h30m31s
